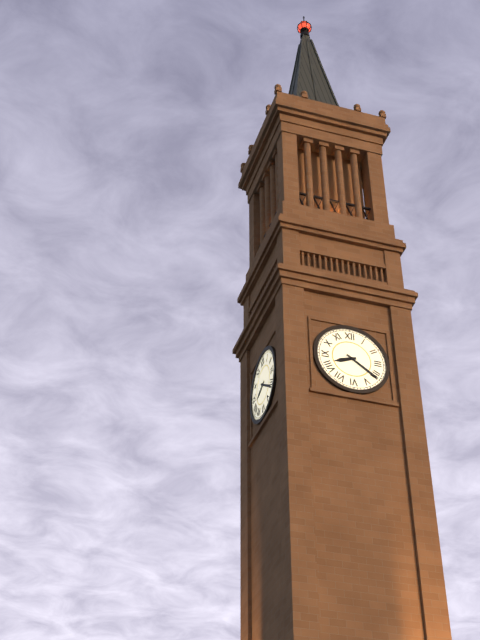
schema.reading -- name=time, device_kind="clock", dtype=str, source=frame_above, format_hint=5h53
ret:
8h21
